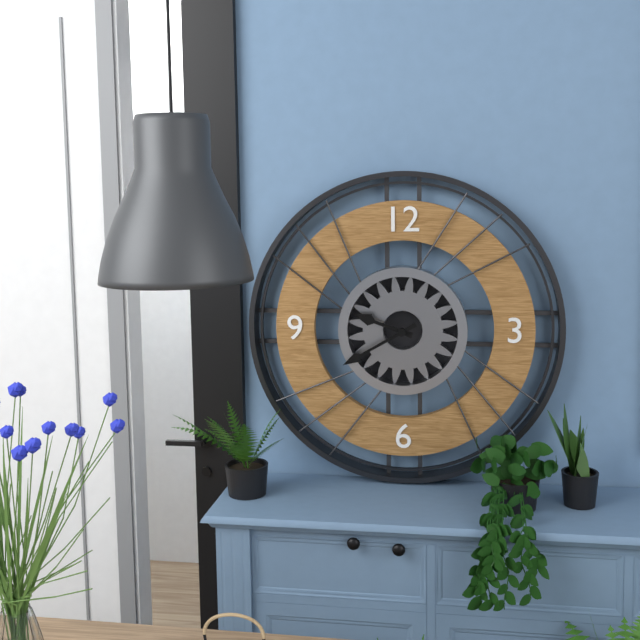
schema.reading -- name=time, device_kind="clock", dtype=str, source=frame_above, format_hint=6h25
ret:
9h40
